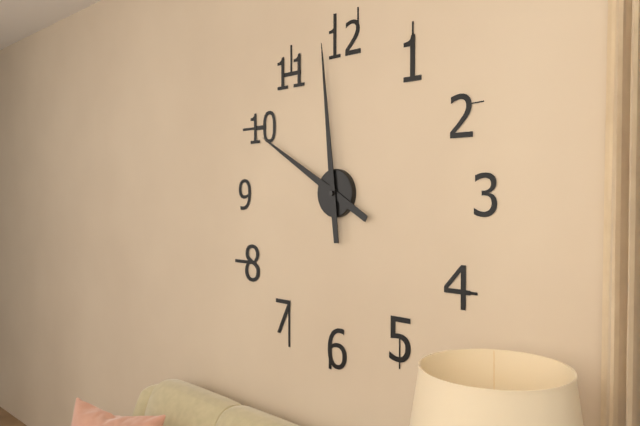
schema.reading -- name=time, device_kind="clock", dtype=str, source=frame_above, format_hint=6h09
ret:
9h59
